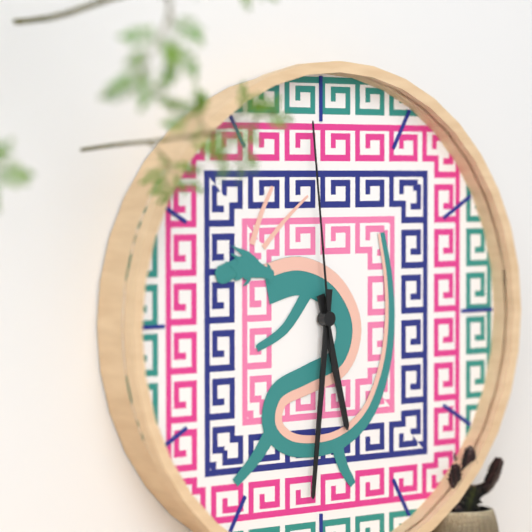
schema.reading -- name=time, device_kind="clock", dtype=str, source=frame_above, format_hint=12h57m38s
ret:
5h31m59s
